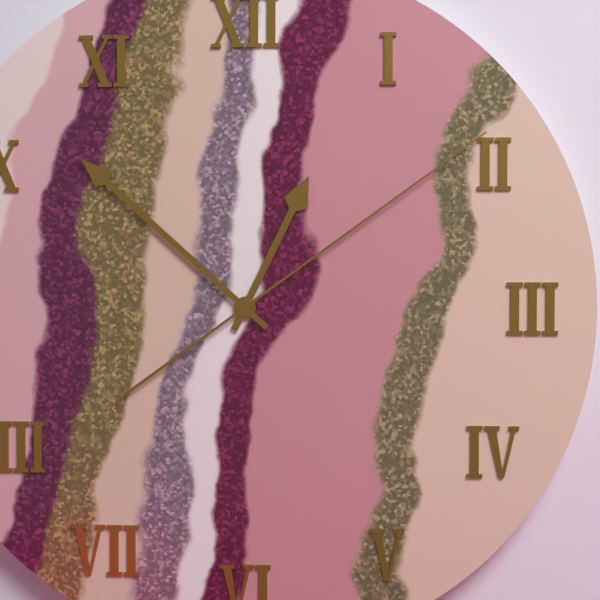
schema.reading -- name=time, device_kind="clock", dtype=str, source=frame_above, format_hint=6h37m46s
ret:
12h52m09s
